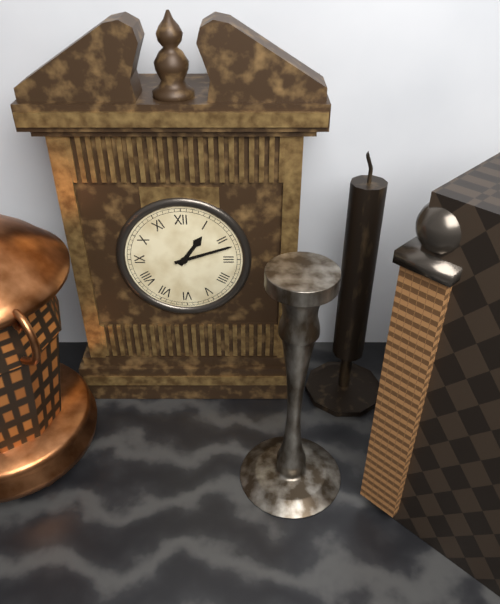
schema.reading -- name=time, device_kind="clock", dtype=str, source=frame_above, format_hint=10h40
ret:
1h12
